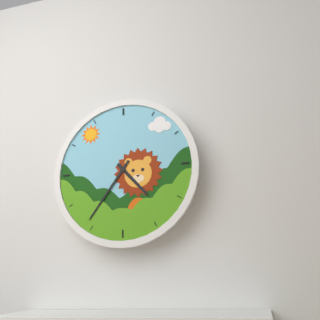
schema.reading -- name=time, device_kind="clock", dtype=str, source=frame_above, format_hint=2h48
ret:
4h36
